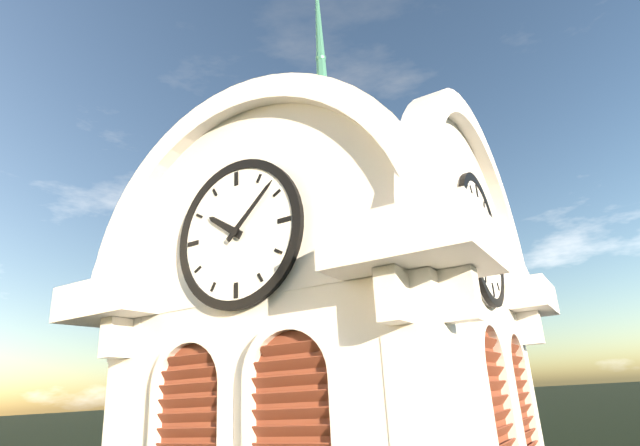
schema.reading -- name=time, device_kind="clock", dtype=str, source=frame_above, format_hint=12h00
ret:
10h08
